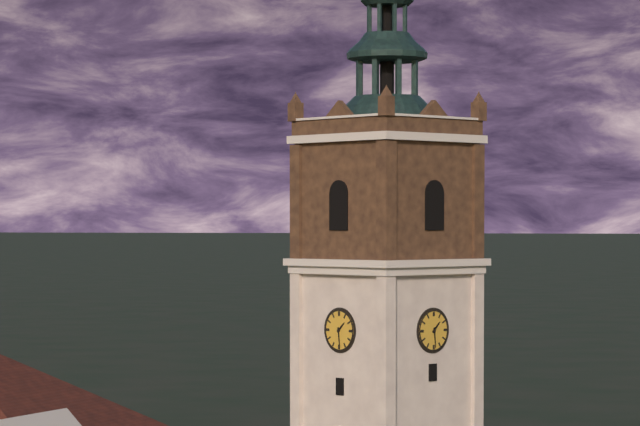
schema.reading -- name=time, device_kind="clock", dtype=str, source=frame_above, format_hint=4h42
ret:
1h29
